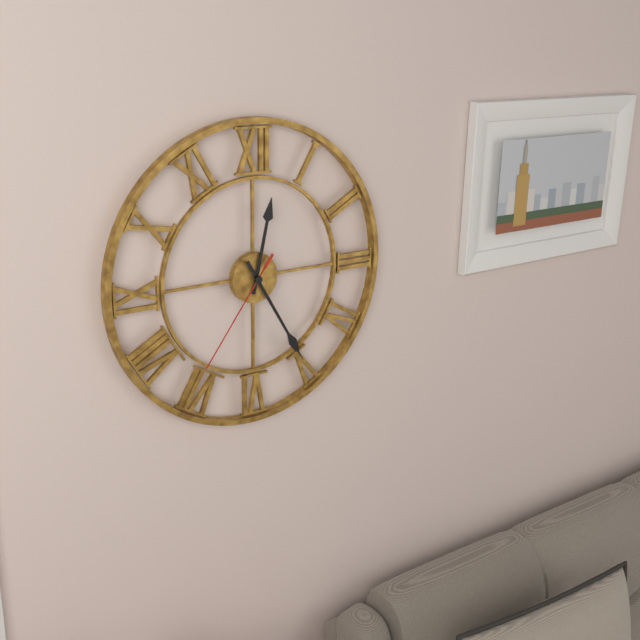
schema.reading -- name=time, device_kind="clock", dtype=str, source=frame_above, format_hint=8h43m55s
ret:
12h25m36s
